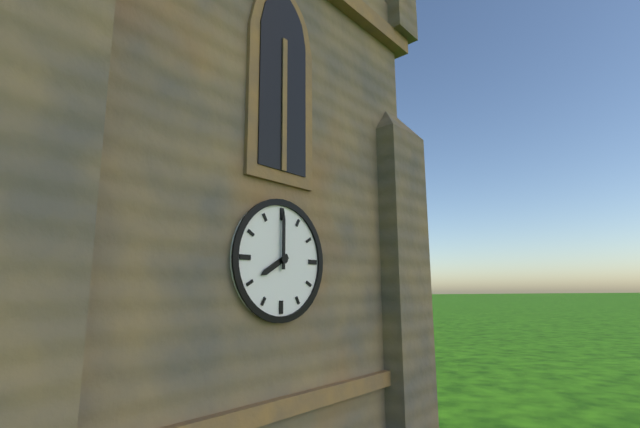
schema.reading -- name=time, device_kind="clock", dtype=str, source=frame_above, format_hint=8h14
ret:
8h00
